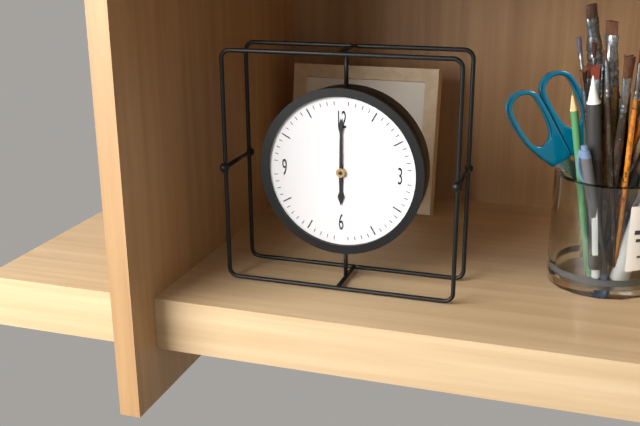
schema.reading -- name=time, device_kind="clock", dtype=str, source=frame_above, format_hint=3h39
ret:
6h00
